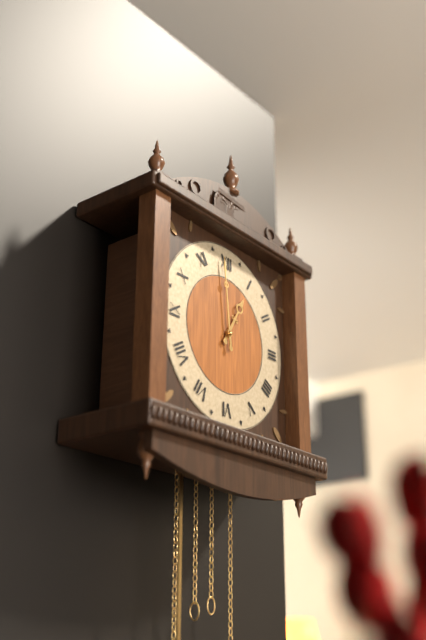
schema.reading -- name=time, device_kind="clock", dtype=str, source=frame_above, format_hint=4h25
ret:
12h59
